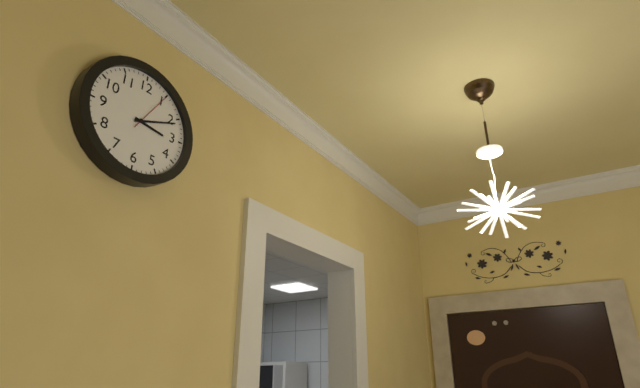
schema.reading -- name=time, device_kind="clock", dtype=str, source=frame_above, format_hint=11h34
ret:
3h11
